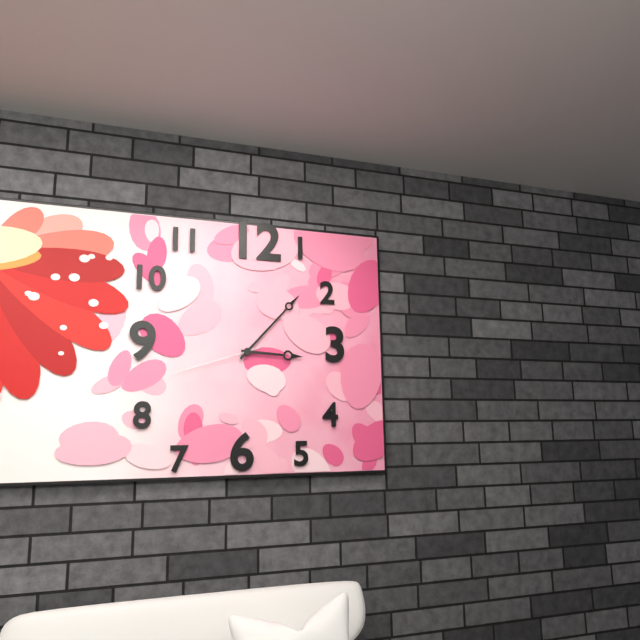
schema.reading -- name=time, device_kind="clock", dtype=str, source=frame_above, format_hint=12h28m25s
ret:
3h07m42s
